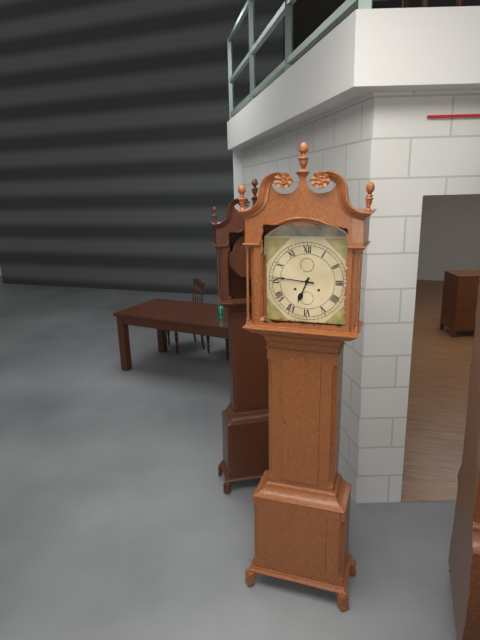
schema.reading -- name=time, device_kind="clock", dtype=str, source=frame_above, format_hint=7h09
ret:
6h46
